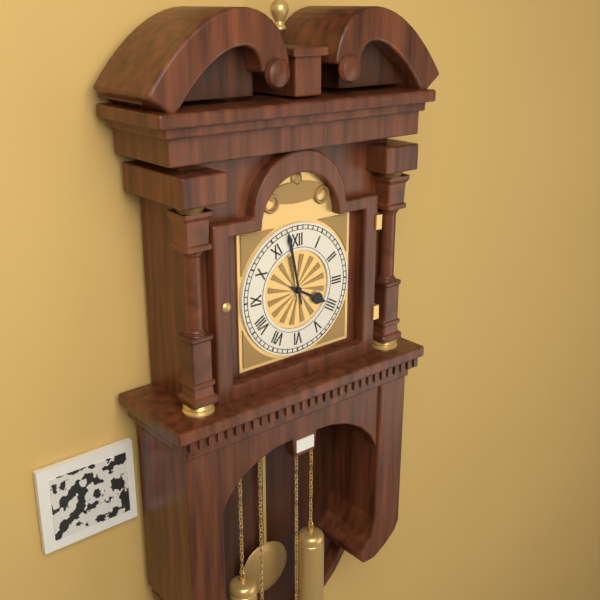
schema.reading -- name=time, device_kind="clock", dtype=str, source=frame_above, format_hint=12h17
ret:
3h58
